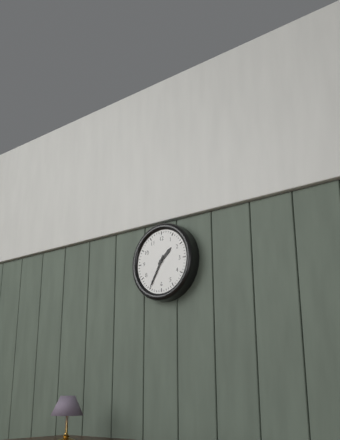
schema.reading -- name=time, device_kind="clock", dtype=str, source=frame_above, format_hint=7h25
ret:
1h35
